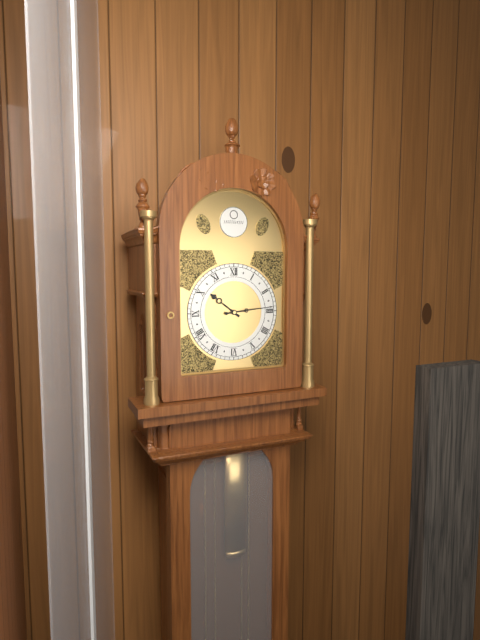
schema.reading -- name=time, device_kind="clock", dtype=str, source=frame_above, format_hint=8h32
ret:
10h14
